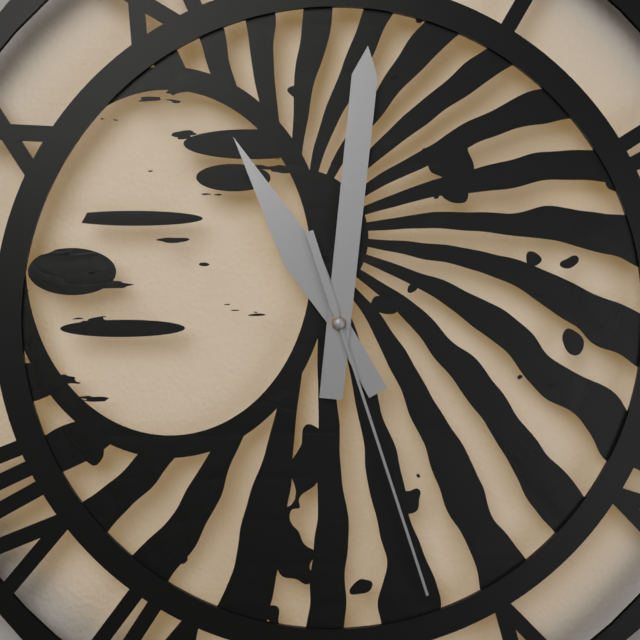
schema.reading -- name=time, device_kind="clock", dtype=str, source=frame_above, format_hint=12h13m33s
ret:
11h01m27s
